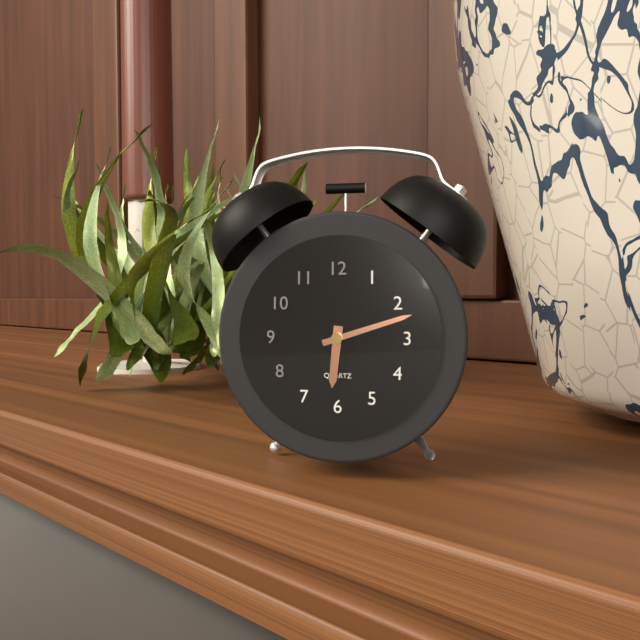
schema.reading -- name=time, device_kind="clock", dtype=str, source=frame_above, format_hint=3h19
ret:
6h12
